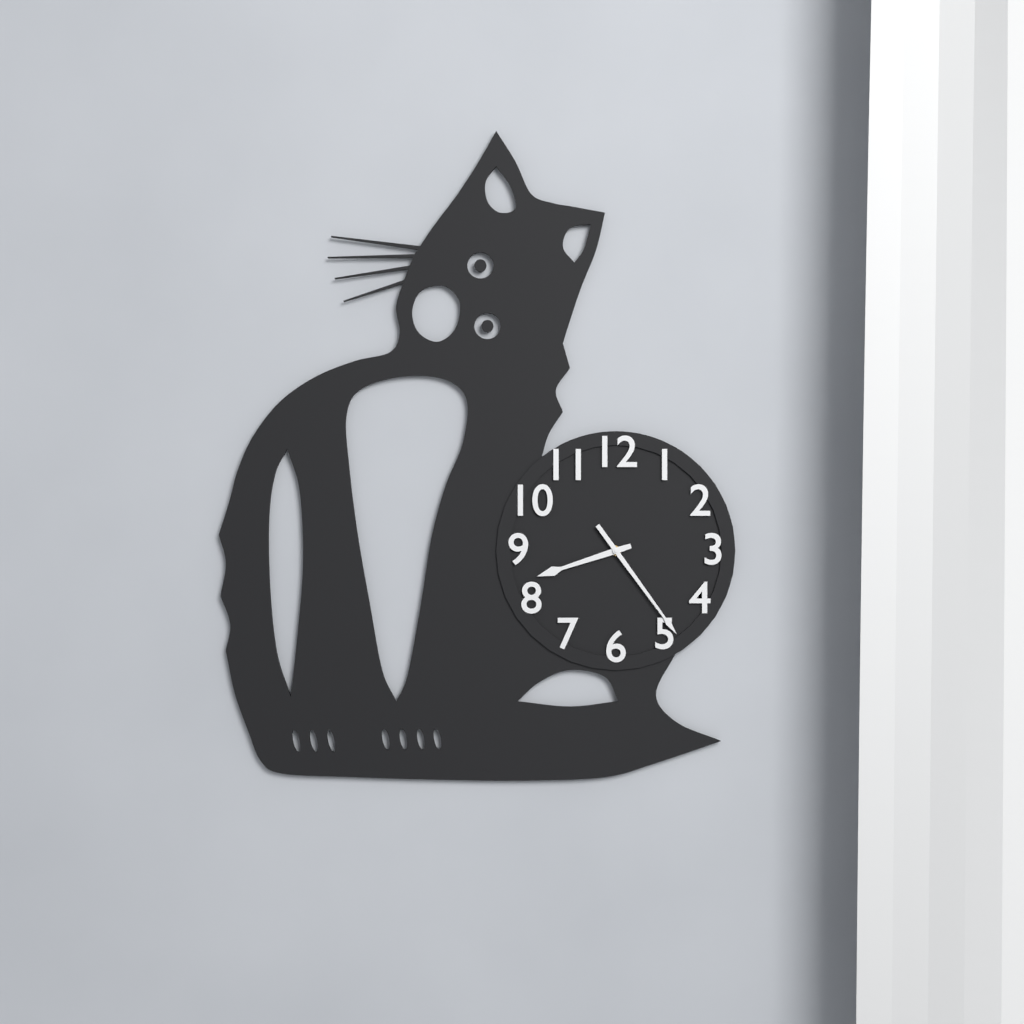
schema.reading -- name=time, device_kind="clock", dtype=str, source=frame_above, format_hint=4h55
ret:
8h24
